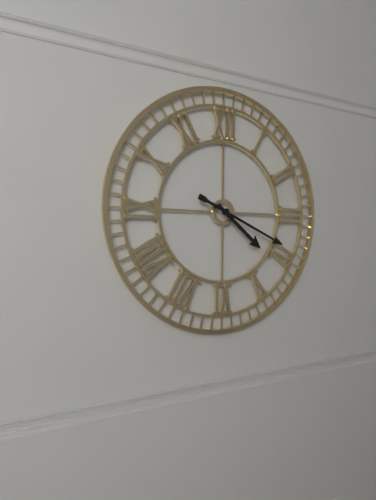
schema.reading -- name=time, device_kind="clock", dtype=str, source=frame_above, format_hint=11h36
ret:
4h19
